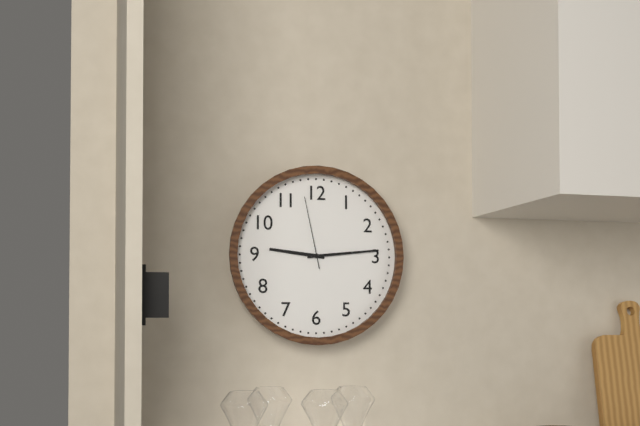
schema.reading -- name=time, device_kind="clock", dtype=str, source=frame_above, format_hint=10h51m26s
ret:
9h14m58s
